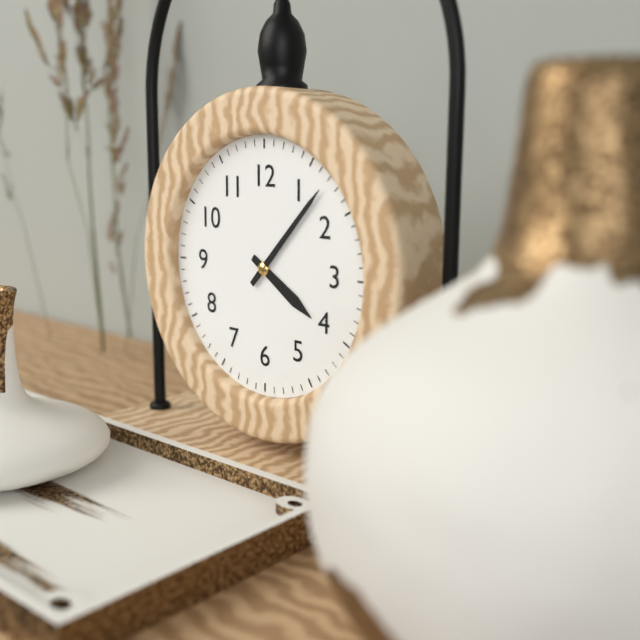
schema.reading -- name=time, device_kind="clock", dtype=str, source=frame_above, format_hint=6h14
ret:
4h07
